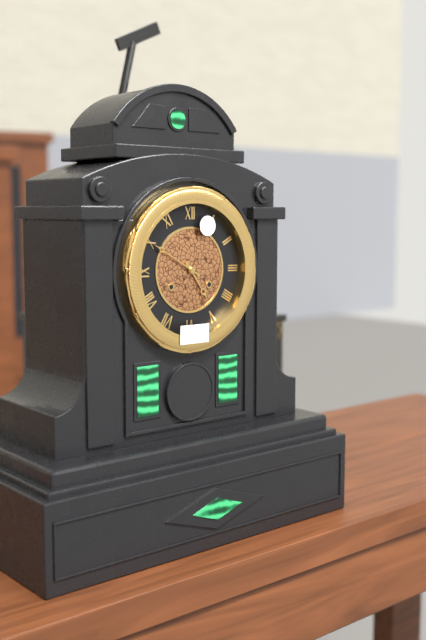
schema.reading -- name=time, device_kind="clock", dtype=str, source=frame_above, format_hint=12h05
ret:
4h50
